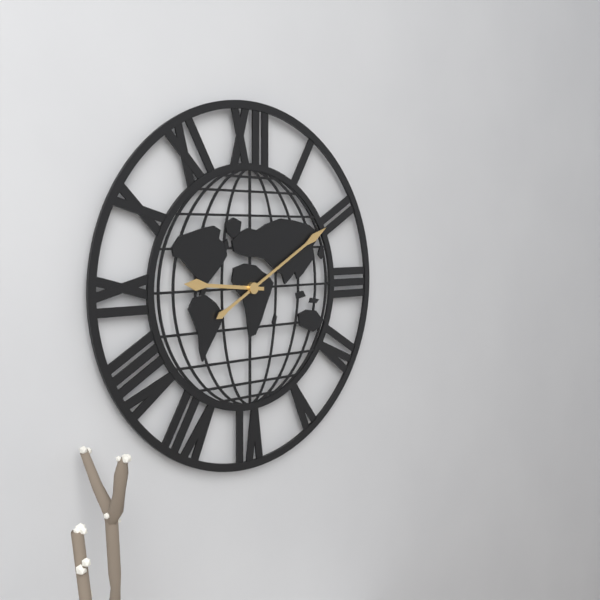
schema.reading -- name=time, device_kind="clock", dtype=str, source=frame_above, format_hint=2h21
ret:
9h10
